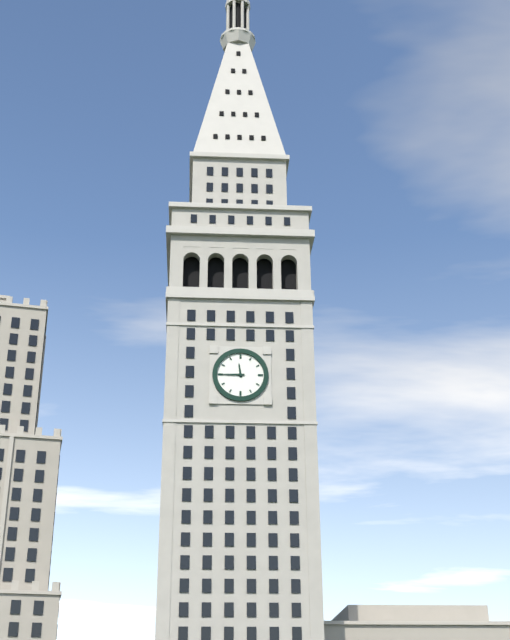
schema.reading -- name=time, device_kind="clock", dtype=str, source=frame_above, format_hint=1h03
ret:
11h45
